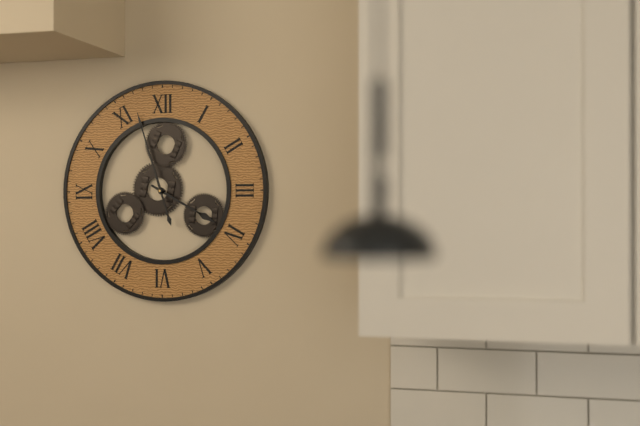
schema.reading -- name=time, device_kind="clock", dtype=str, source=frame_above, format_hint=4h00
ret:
3h57
